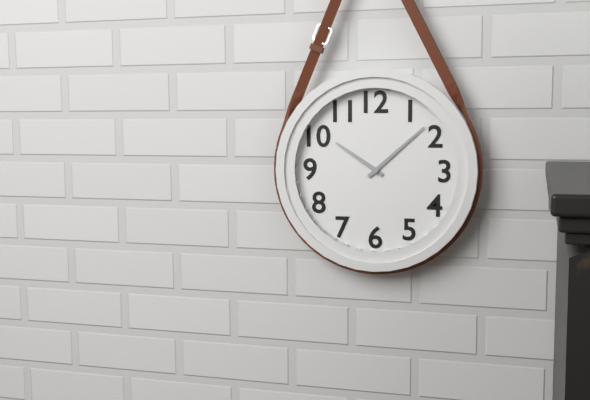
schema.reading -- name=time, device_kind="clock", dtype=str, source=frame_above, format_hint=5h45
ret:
10h08
